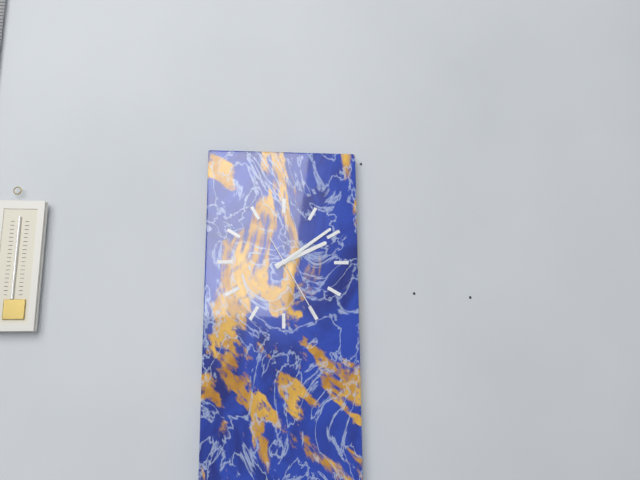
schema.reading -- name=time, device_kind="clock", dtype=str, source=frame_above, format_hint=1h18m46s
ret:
2h09m25s
